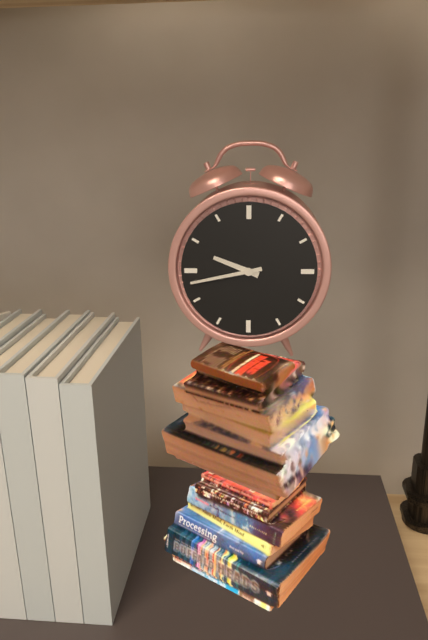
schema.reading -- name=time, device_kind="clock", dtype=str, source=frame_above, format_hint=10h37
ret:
9h43
